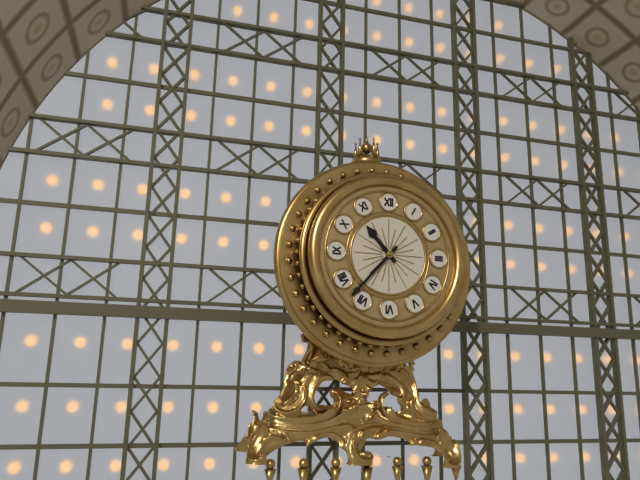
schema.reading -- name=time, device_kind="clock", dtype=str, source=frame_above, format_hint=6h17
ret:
10h37
